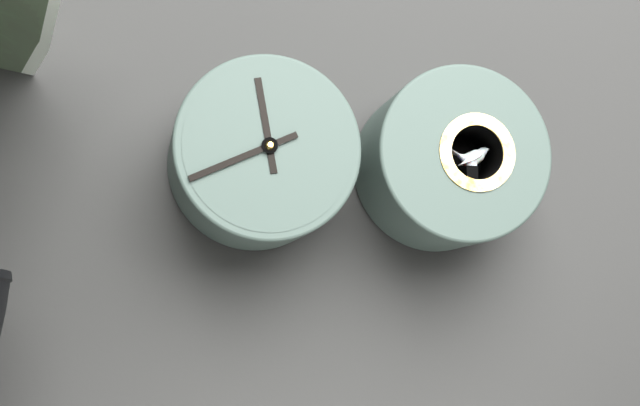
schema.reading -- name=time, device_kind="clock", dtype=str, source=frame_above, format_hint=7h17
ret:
11h41
